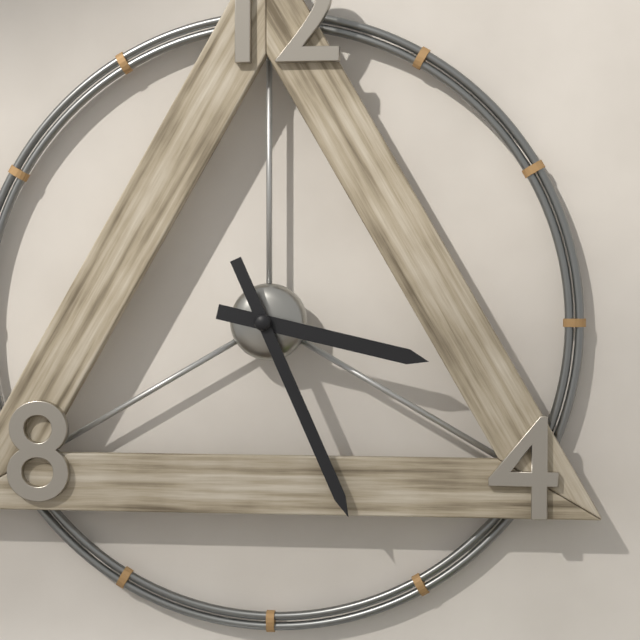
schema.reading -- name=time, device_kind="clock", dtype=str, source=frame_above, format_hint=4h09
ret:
3h26
